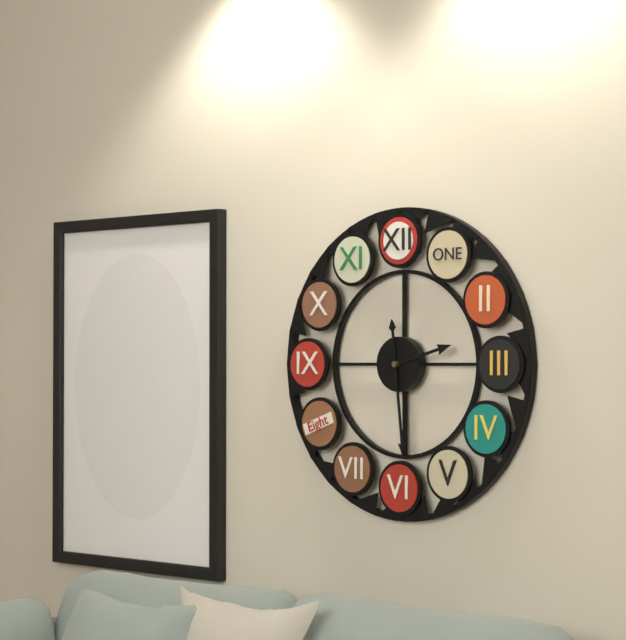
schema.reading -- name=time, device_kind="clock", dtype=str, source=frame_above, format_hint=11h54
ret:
2h29
